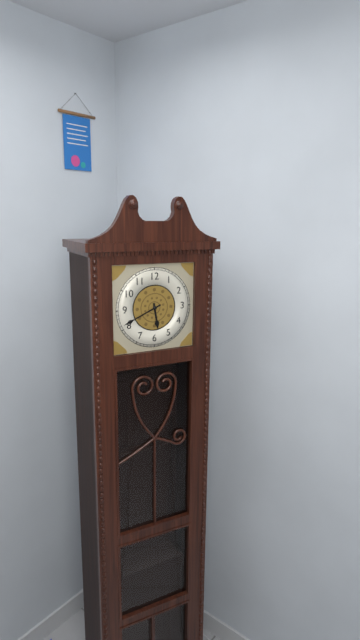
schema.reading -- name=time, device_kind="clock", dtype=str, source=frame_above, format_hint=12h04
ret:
5h41
